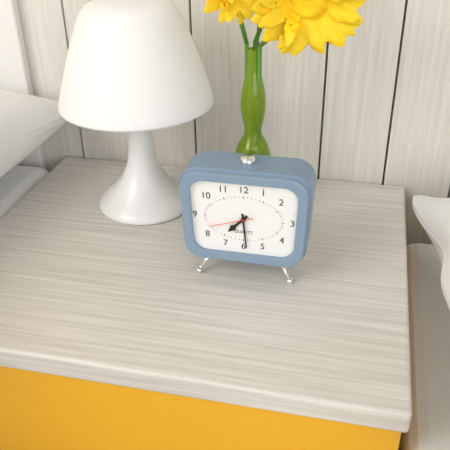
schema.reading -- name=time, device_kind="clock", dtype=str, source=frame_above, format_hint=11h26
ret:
7h29
